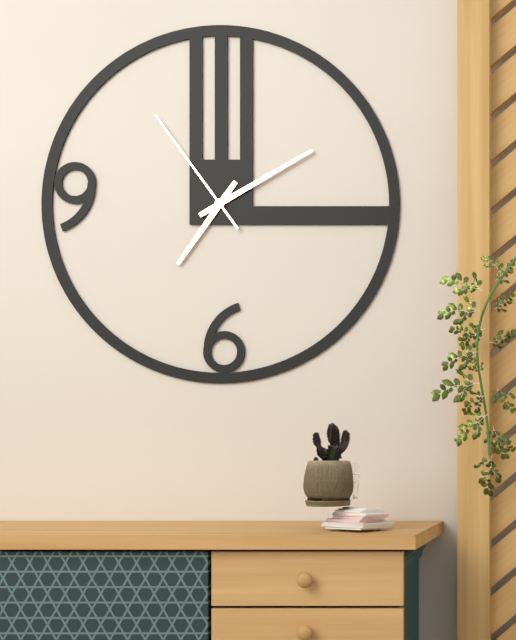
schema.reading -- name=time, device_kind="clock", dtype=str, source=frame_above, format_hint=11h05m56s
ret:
7h10m54s
